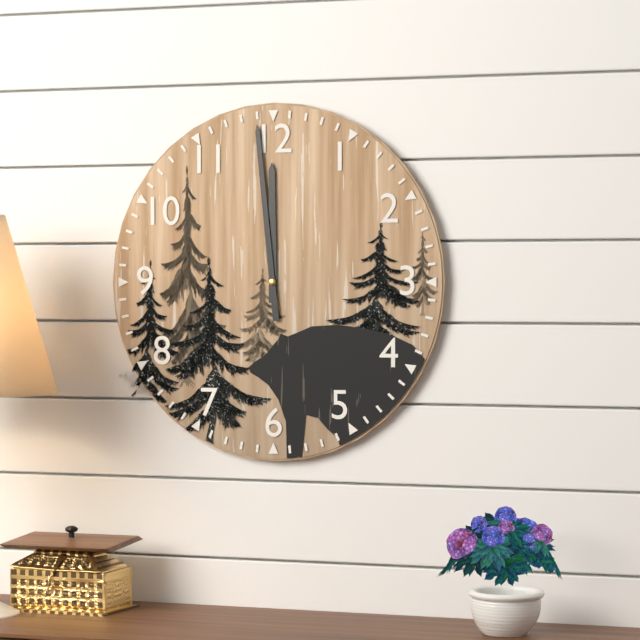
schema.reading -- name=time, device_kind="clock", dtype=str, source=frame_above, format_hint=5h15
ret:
11h59
